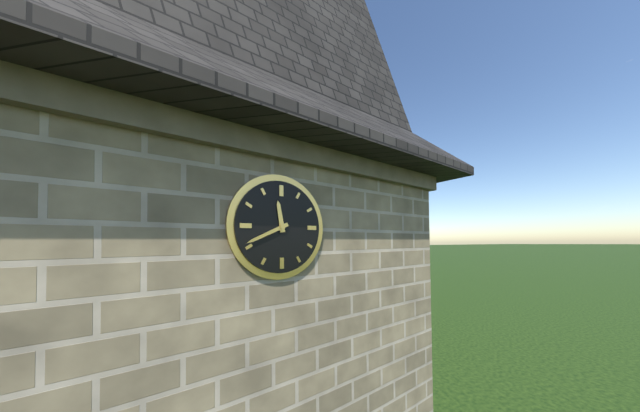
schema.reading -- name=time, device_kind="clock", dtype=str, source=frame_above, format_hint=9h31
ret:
11h41
